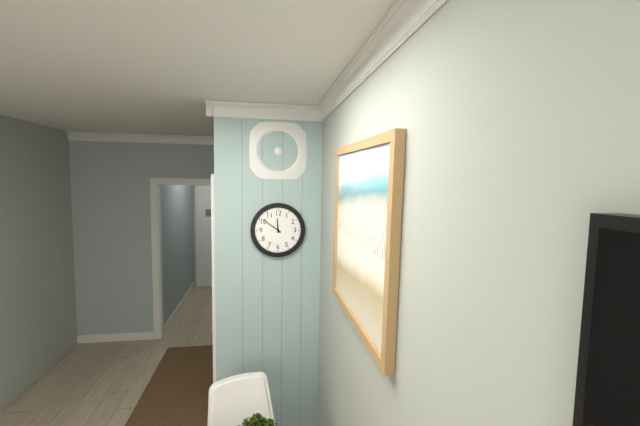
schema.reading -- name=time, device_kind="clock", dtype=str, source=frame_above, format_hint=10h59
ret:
11h51
